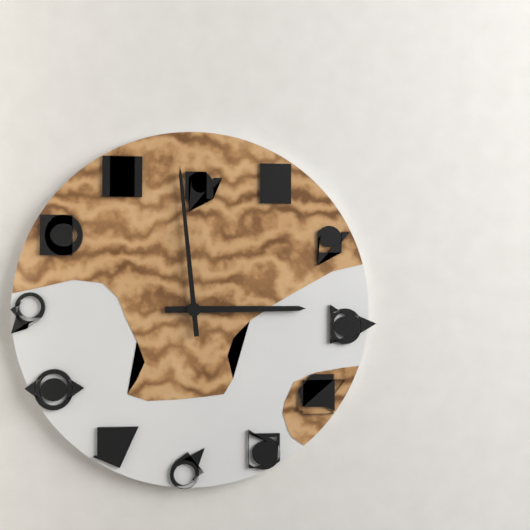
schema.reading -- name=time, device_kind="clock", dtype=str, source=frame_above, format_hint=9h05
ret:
2h59
